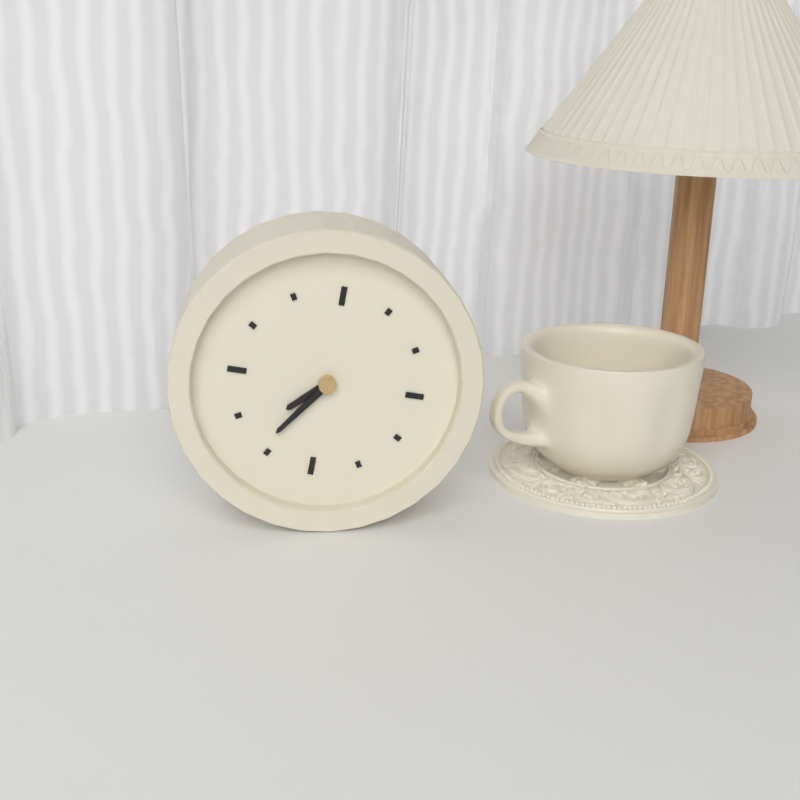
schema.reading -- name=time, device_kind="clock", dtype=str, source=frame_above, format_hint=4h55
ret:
7h36
